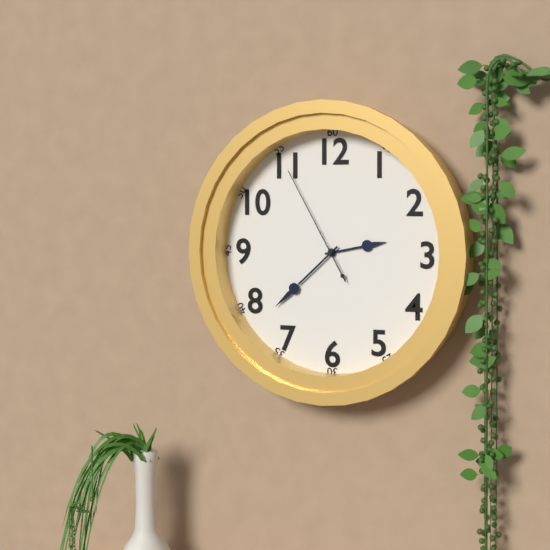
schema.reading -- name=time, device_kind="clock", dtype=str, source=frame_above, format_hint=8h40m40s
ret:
2h38m55s
